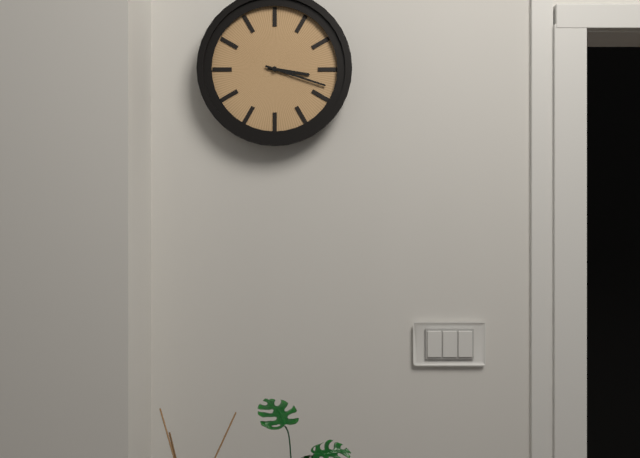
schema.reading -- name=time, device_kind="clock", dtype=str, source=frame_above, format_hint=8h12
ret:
3h18
